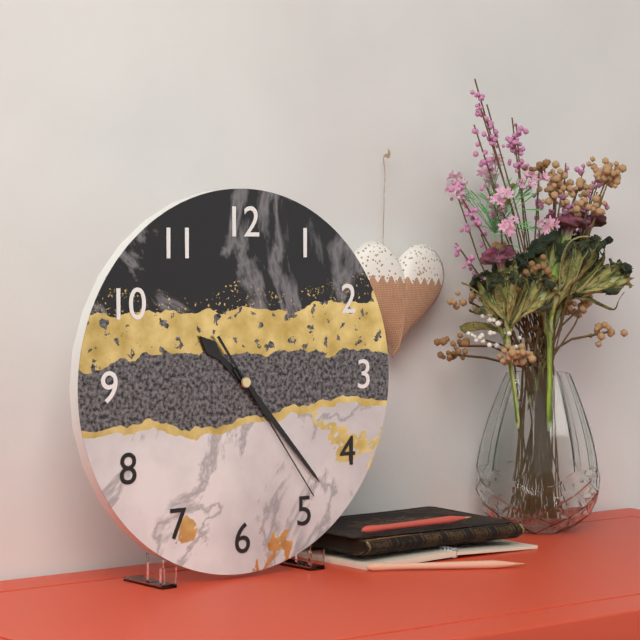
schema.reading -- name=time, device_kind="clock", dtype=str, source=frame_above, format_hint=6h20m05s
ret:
10h23m24s
